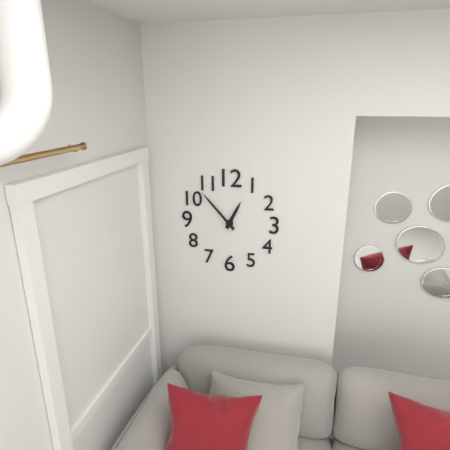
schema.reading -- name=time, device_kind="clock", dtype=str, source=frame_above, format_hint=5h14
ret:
12h53
